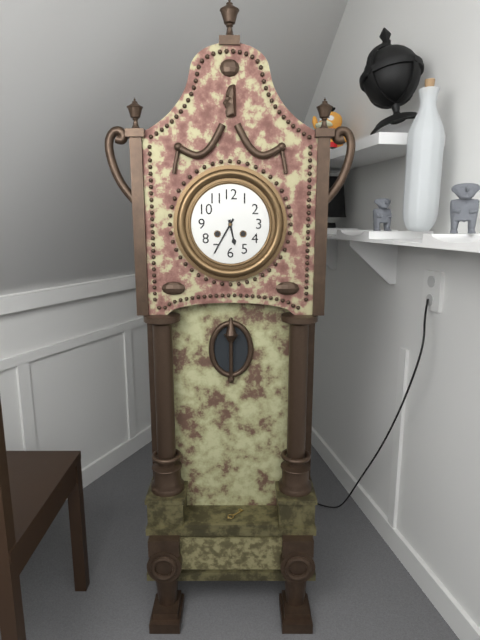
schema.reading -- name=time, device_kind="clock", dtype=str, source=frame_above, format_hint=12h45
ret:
5h35
